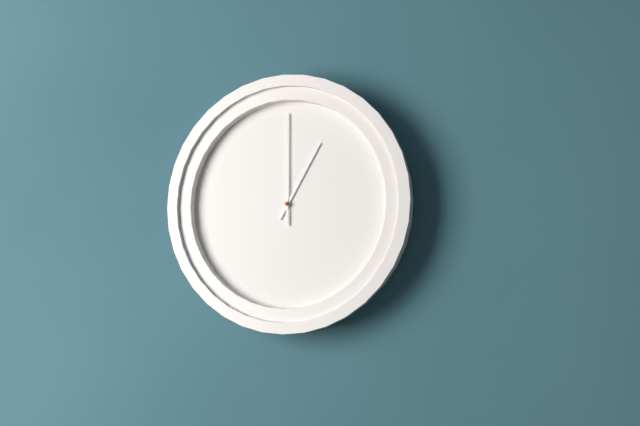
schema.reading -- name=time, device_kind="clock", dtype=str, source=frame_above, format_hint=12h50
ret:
1h00
